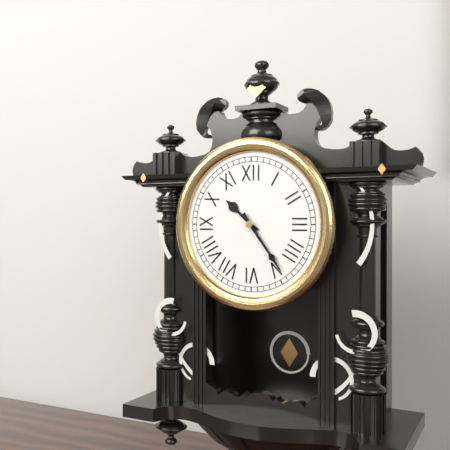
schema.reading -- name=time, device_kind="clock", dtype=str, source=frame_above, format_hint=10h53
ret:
10h24
